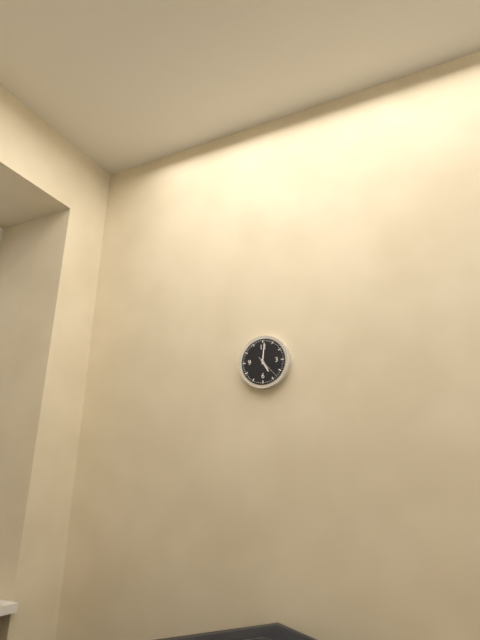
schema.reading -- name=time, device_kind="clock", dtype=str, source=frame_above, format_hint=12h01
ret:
5h01
